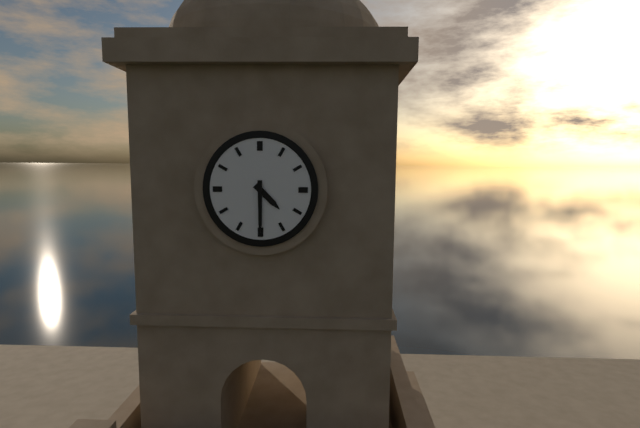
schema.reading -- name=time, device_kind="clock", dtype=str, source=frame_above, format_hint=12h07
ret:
4h30
